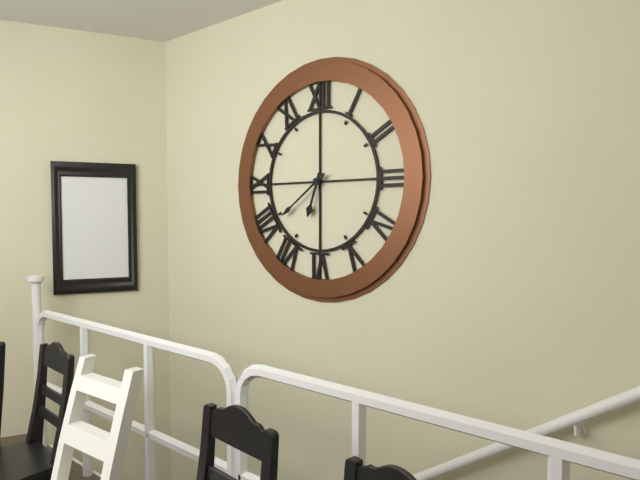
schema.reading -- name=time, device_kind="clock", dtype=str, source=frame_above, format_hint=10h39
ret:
6h39
